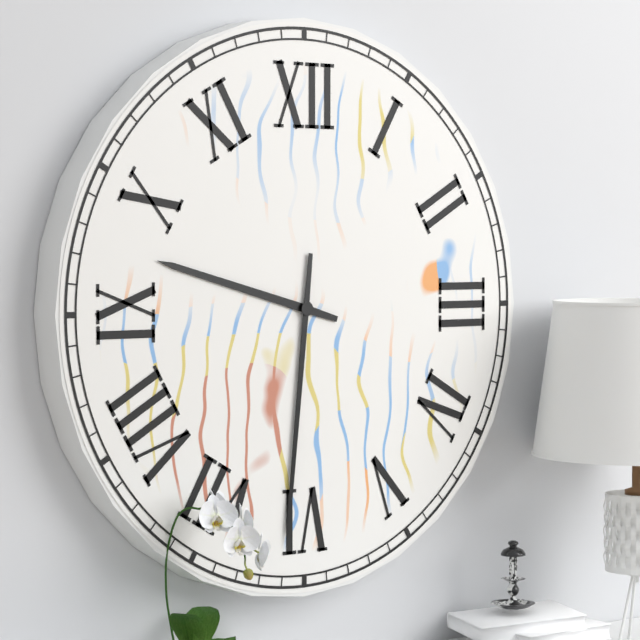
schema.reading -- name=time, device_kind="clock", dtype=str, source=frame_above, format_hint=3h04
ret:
9h31
